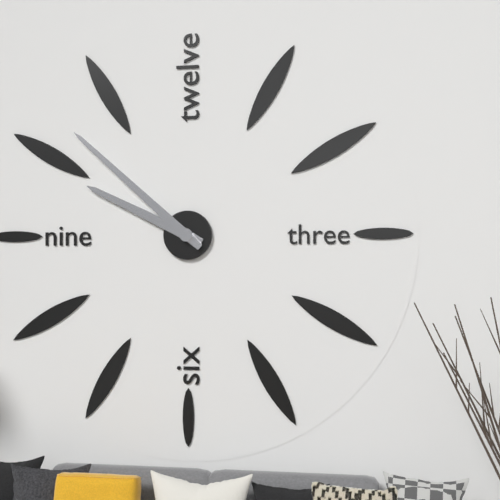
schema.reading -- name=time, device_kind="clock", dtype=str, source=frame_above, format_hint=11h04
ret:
9h52
